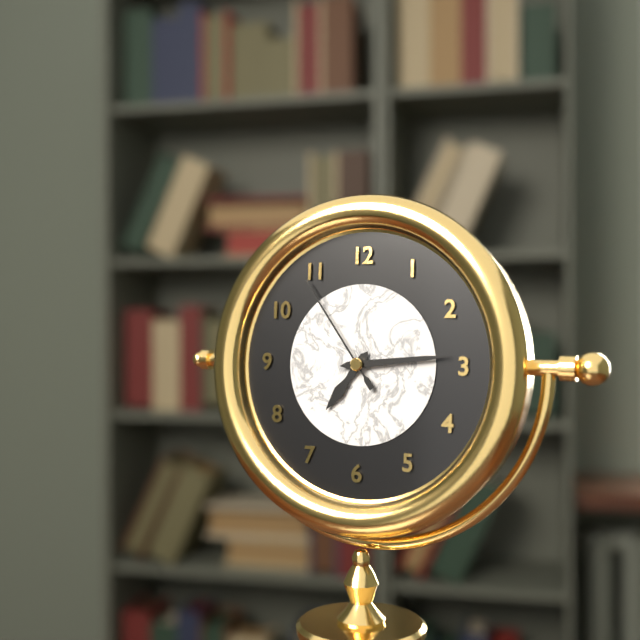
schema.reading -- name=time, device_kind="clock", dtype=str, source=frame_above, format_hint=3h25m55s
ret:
7h14m54s
